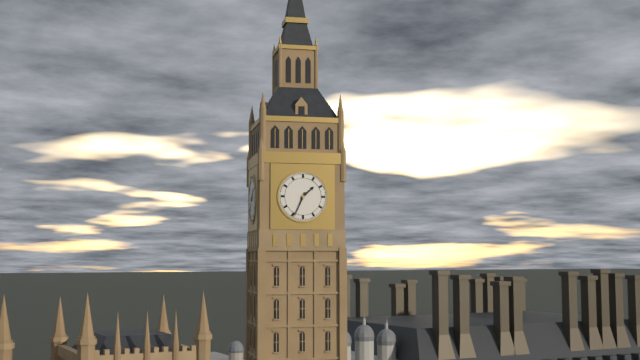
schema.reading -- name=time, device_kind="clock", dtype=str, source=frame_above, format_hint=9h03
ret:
1h34
